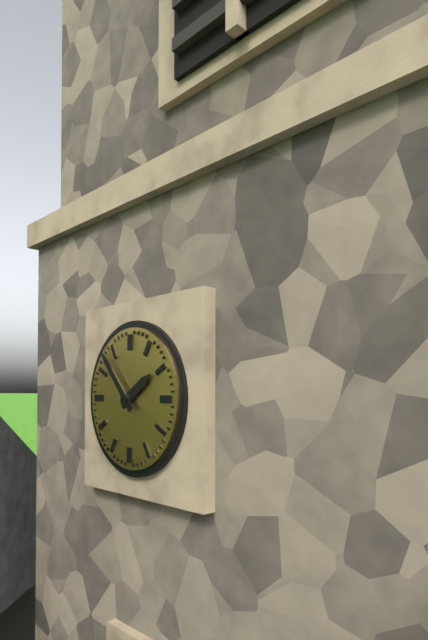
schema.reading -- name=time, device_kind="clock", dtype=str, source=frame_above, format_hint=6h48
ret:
1h53
